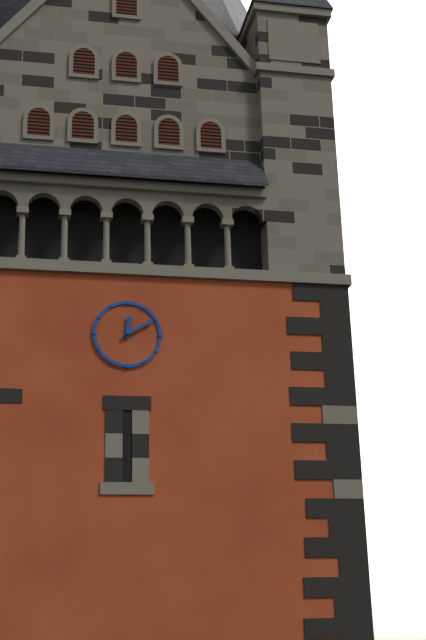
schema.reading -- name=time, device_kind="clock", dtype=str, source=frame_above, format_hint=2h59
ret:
12h10
